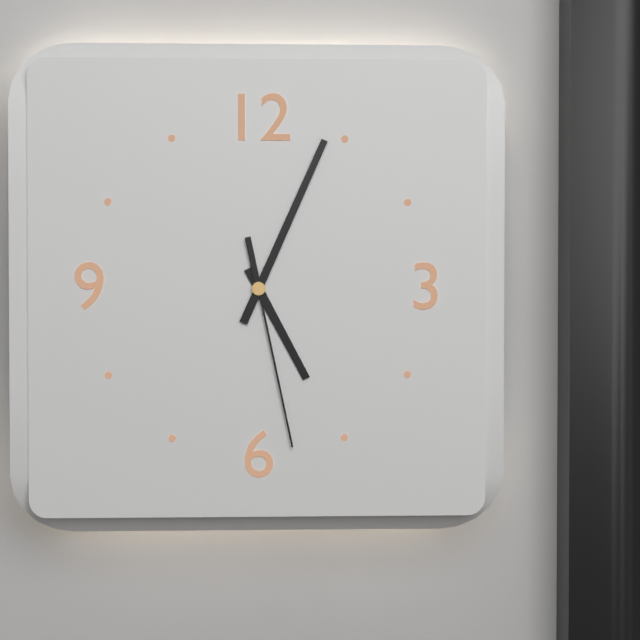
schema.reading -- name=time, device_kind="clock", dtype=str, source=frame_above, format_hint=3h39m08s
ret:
5h04m28s
